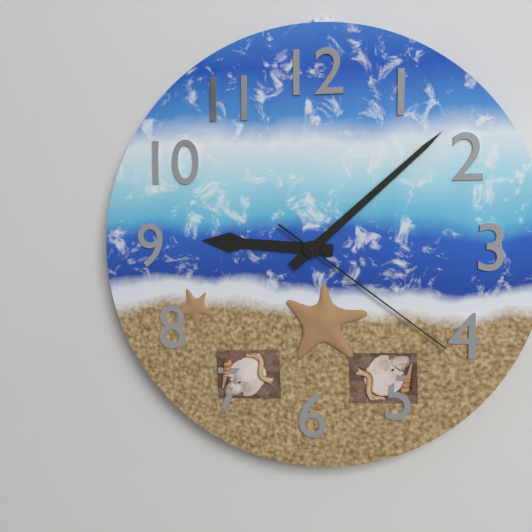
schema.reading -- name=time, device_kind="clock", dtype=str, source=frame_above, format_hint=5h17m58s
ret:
9h08m21s
